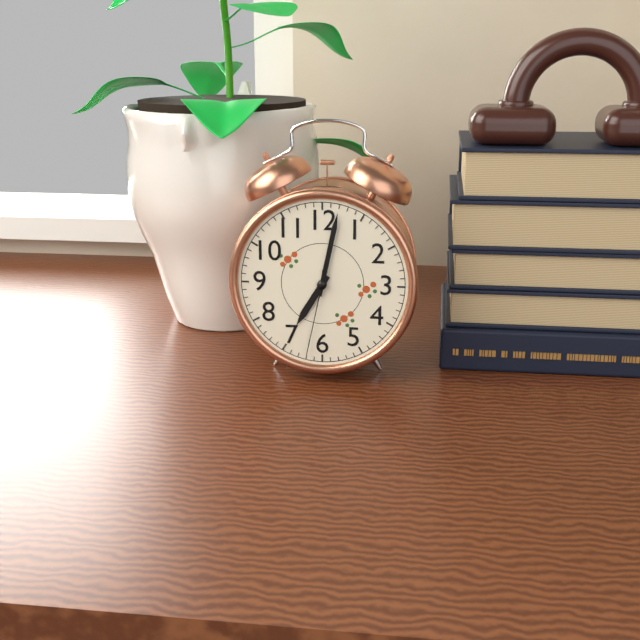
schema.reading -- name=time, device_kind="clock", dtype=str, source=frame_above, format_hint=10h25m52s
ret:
7h02m32s
